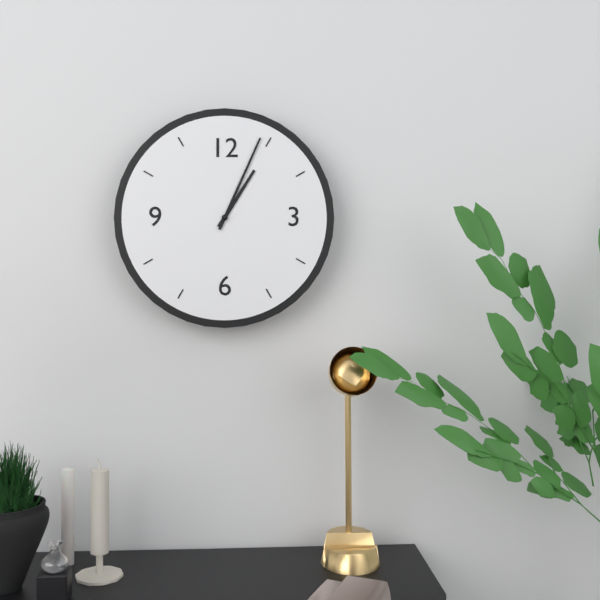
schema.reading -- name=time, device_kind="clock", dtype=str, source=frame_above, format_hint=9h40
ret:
1h04
